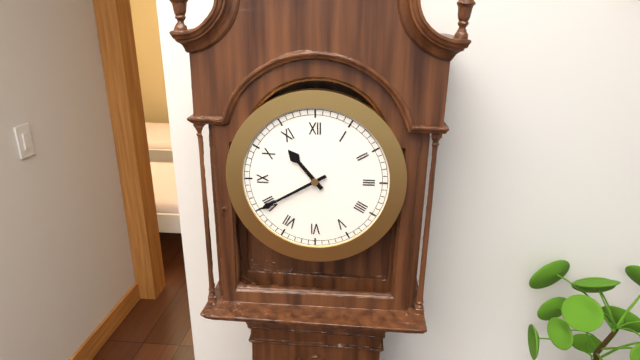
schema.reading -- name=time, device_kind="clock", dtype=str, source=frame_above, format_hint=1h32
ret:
10h40
